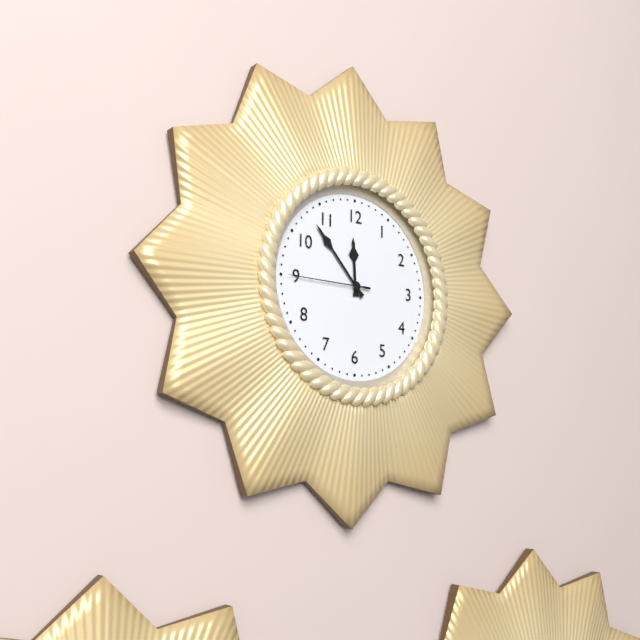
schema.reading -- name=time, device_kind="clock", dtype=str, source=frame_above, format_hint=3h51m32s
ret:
11h53m45s
